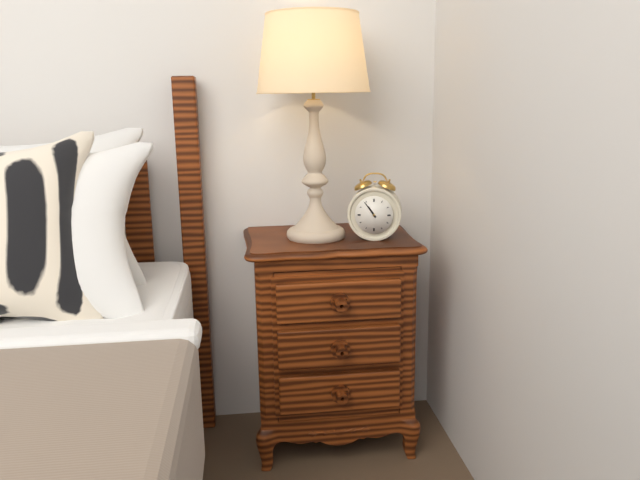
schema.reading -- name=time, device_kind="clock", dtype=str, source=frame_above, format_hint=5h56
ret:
10h54
